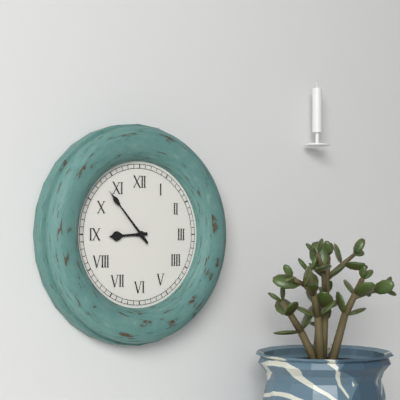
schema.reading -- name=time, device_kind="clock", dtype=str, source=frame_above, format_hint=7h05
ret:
8h53
